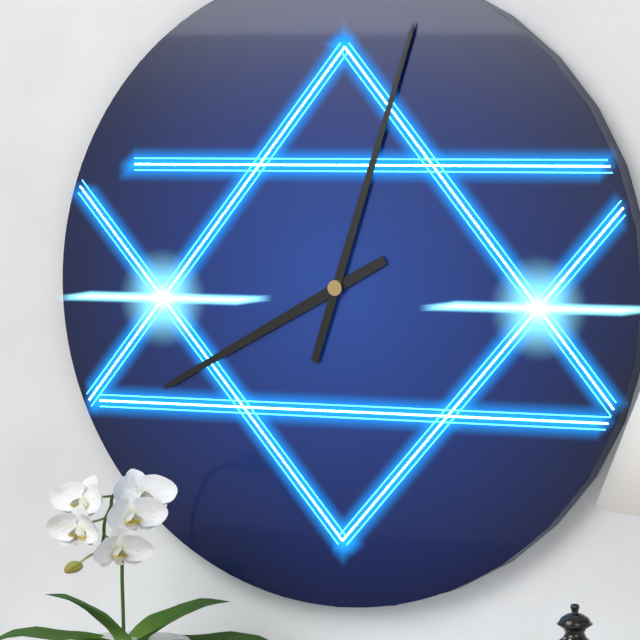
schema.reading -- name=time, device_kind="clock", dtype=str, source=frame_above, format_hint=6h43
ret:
8h03
